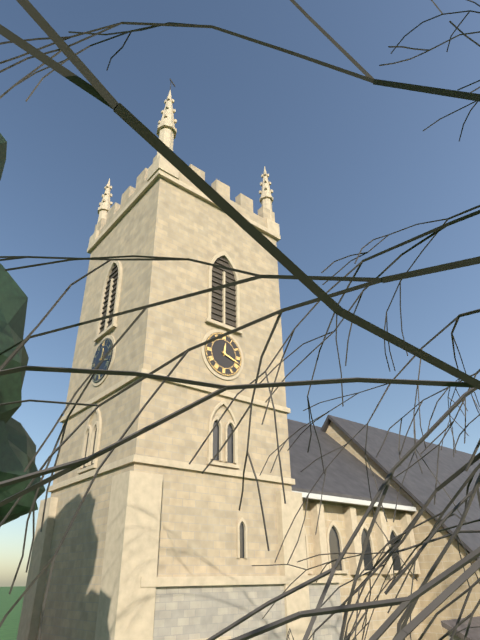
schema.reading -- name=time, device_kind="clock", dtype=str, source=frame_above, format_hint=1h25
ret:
12h18
